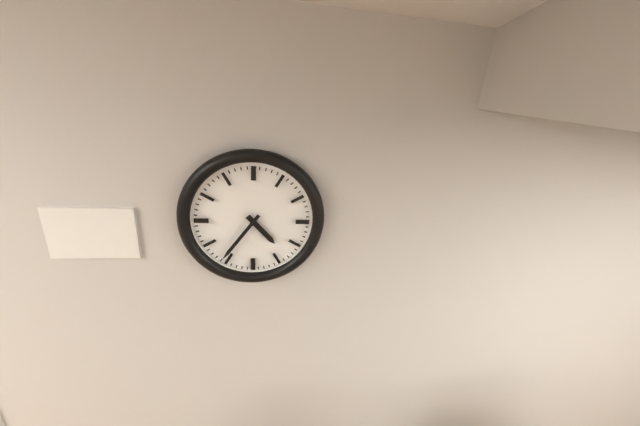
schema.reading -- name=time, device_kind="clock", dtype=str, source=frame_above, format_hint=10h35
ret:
4h36
